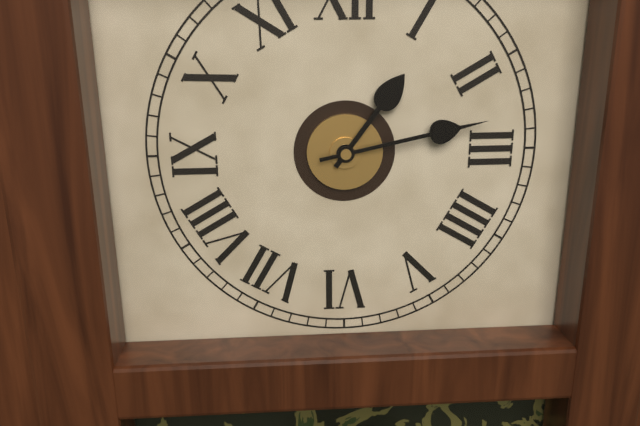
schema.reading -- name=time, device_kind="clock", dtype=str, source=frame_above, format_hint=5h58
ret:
1h13
